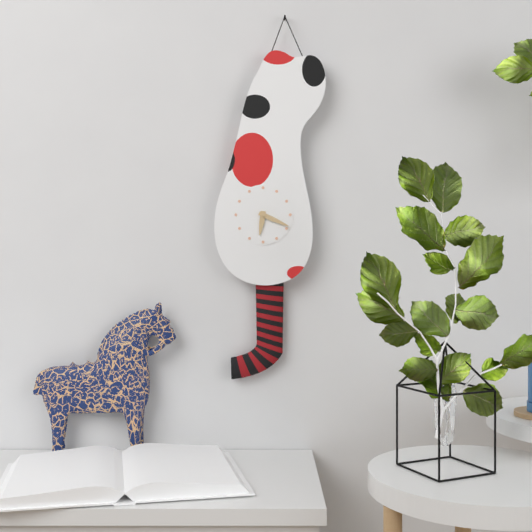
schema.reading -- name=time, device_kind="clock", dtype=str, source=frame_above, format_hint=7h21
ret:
6h19
